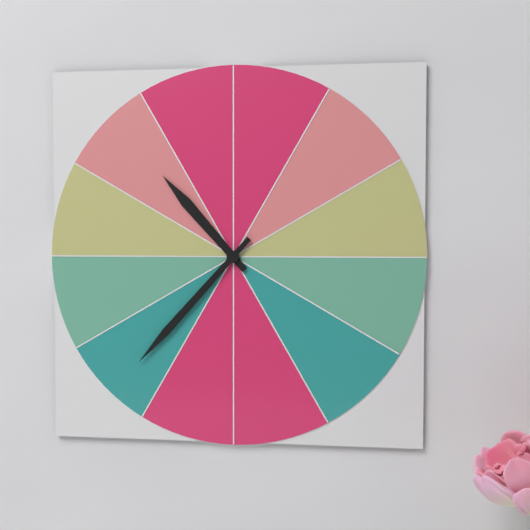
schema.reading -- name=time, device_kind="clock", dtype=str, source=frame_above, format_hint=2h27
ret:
10h37
